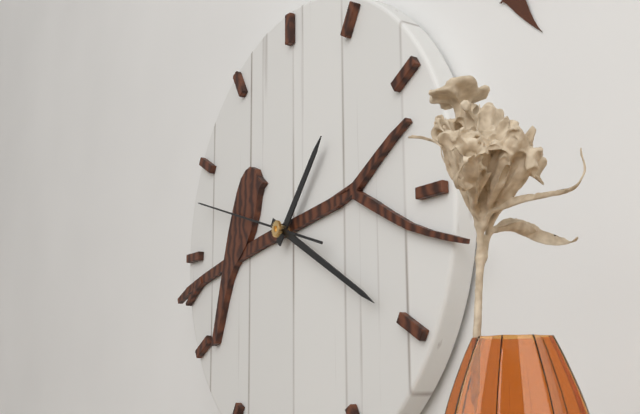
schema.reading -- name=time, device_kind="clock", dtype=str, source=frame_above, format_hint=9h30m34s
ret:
1h20m48s
